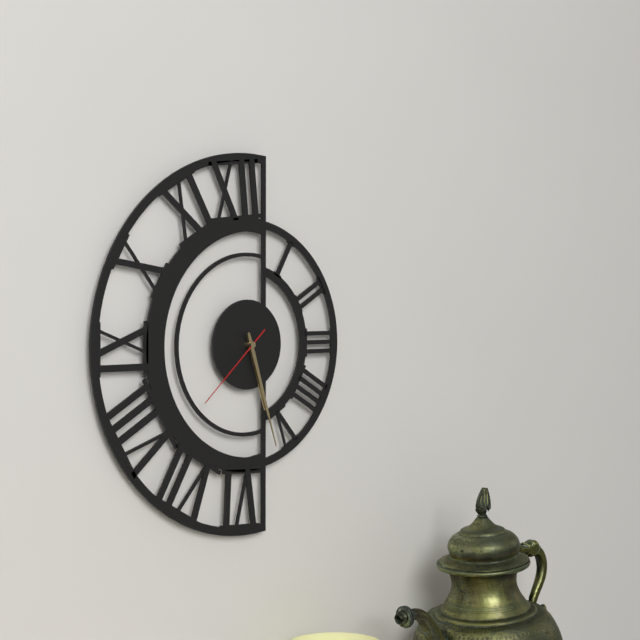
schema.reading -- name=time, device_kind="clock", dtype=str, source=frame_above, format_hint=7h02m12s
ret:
5h27m38s
